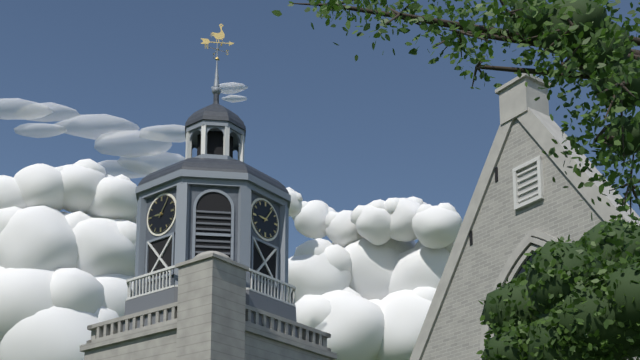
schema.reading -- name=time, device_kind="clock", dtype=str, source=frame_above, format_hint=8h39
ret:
9h06
